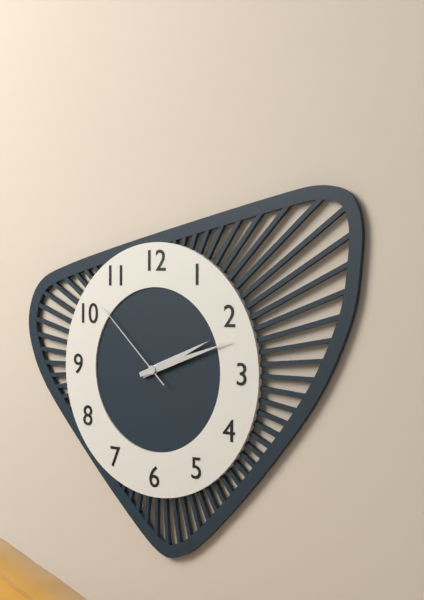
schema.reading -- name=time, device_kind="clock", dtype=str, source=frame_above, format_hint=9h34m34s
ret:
2h12m52s
